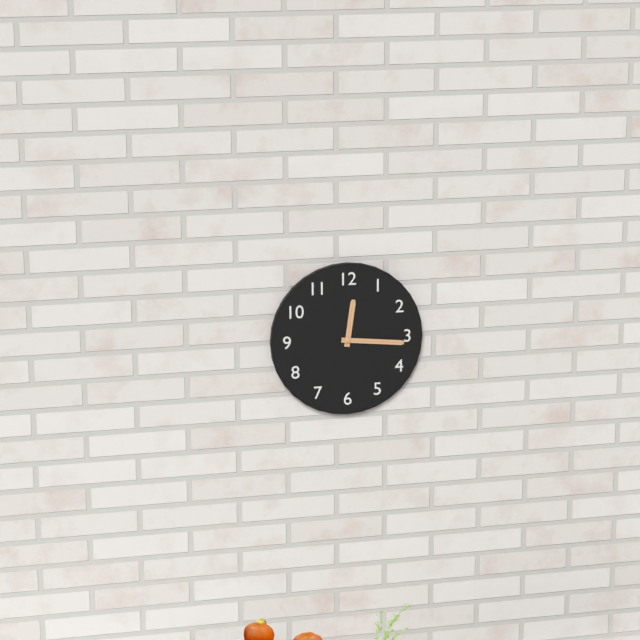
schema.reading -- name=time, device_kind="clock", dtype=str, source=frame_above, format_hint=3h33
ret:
12h16
